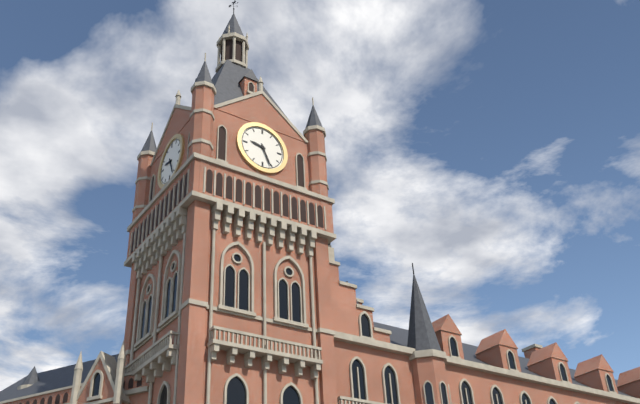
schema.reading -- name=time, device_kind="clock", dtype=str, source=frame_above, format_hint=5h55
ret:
9h26
